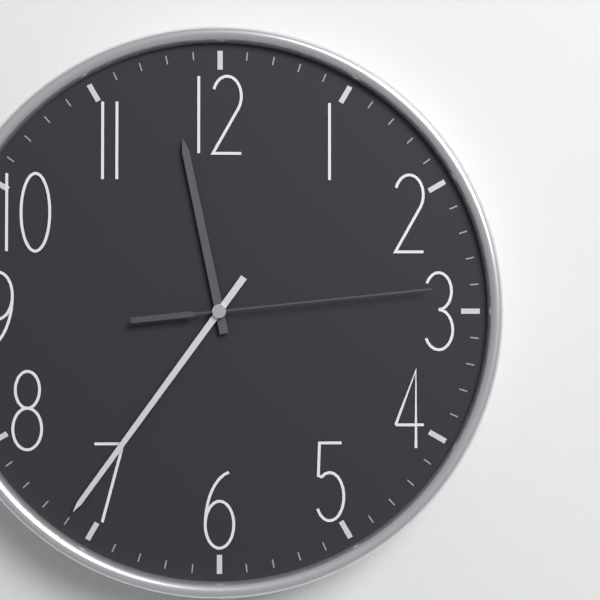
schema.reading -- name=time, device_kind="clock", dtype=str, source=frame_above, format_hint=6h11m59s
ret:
11h36m14s
